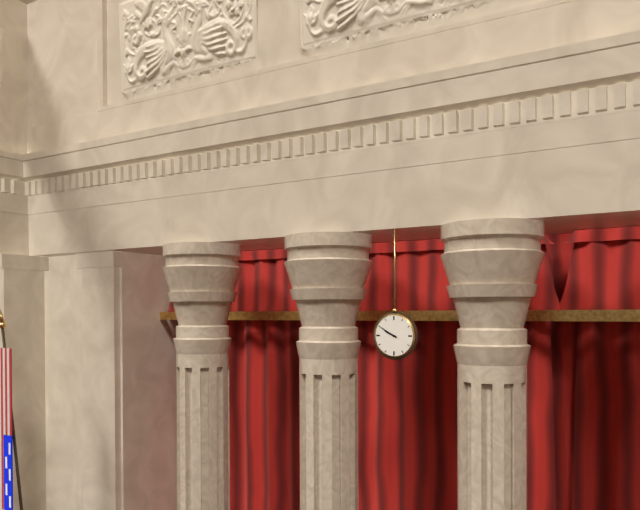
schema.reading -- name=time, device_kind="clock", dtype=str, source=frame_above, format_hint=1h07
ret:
9h50
